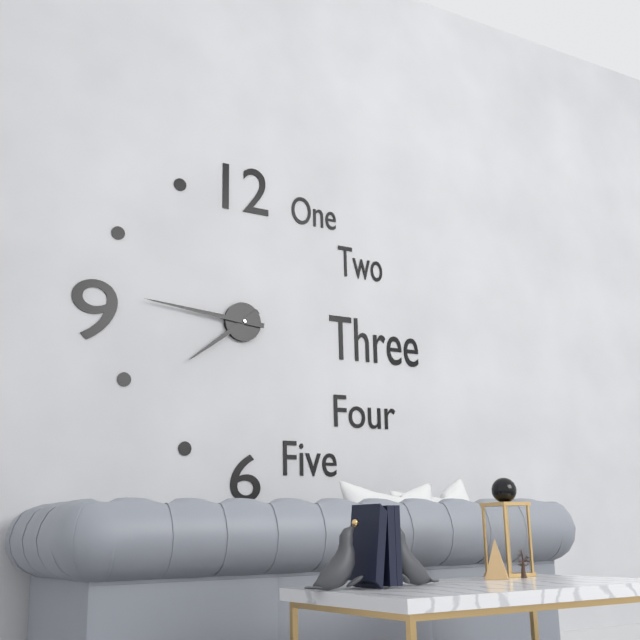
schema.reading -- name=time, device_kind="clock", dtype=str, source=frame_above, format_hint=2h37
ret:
7h46
